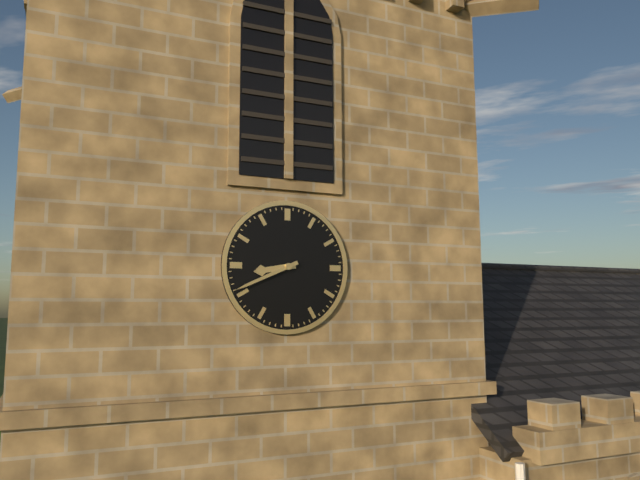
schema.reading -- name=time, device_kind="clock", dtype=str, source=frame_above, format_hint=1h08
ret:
8h41
